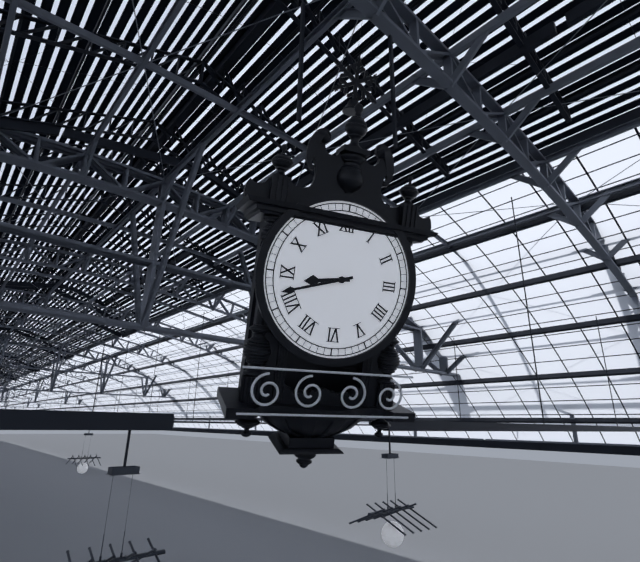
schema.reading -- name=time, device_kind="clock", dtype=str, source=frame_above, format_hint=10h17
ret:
8h42
